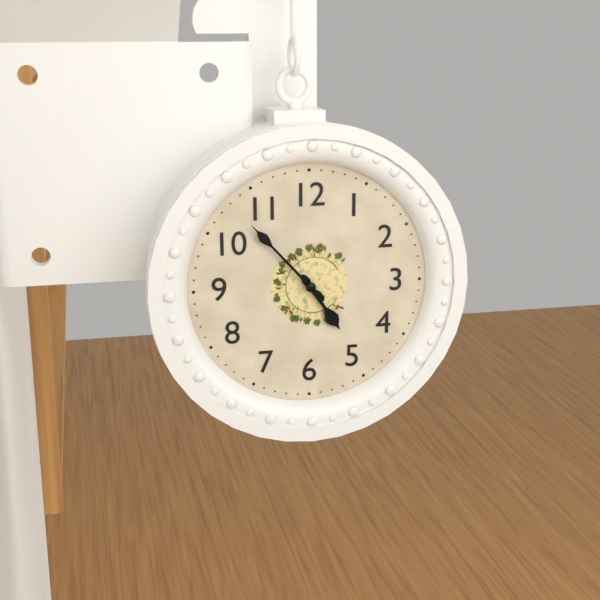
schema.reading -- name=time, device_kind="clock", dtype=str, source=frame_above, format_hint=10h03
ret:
4h53
